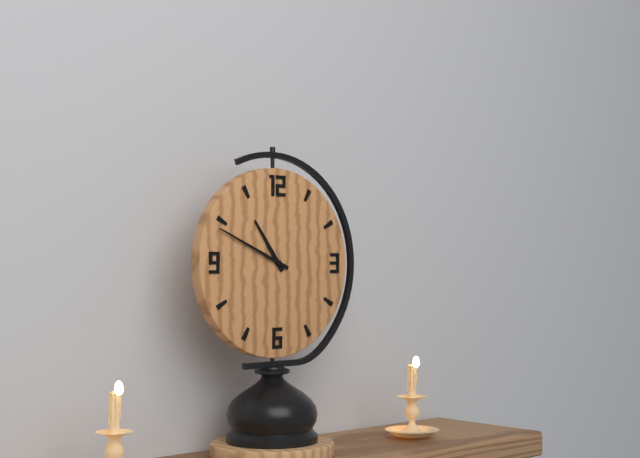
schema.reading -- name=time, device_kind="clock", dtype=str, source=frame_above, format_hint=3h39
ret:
10h49
